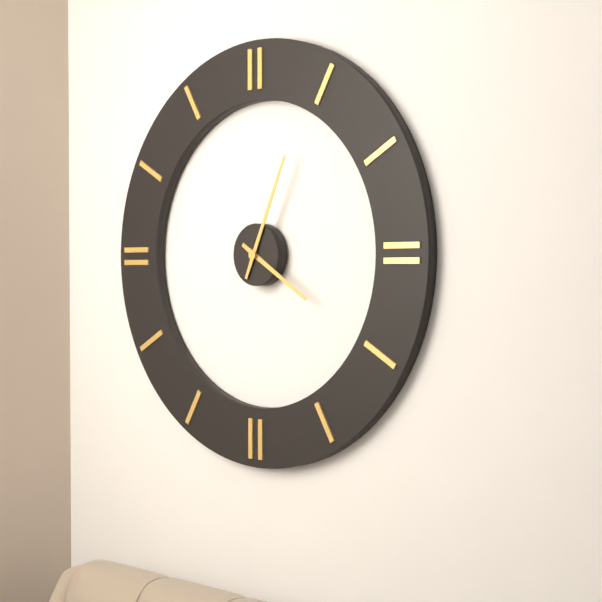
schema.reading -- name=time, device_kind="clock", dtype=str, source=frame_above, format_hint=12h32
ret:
4h04
